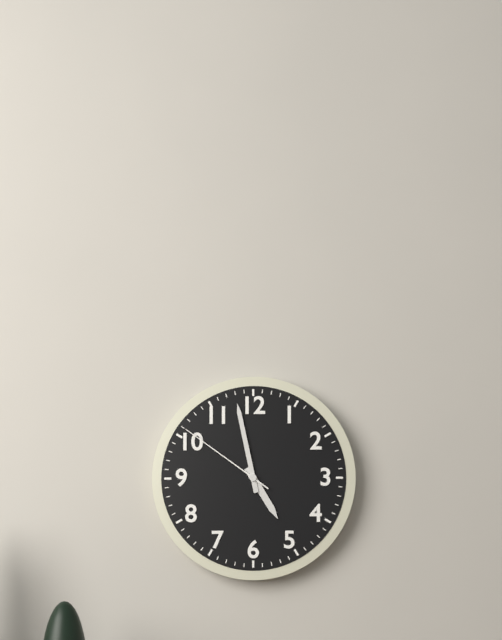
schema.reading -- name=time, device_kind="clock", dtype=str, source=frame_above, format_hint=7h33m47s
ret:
4h58m51s
